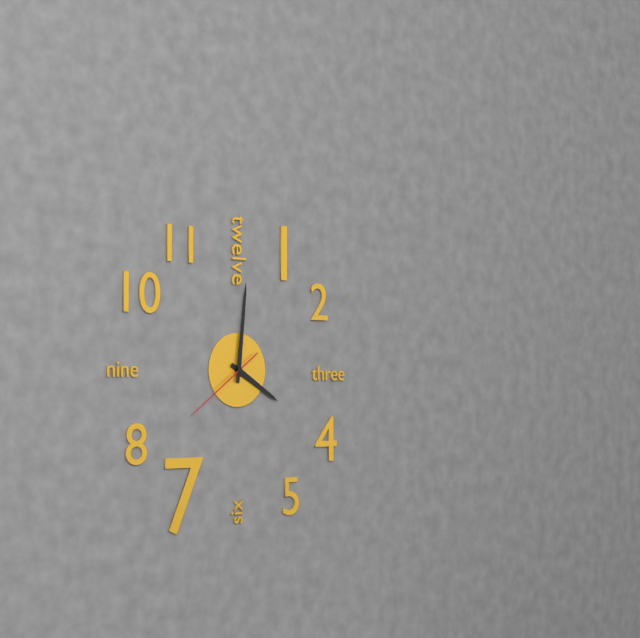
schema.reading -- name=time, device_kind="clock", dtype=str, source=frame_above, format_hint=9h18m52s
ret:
4h01m39s
